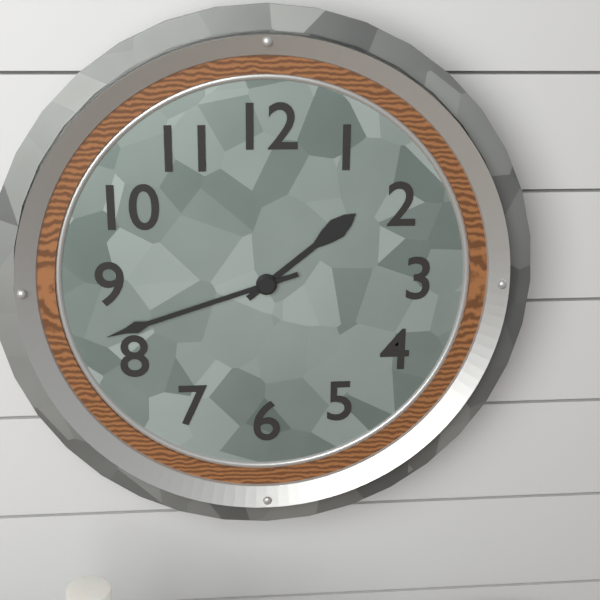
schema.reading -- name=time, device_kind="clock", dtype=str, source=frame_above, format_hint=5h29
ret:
1h42
